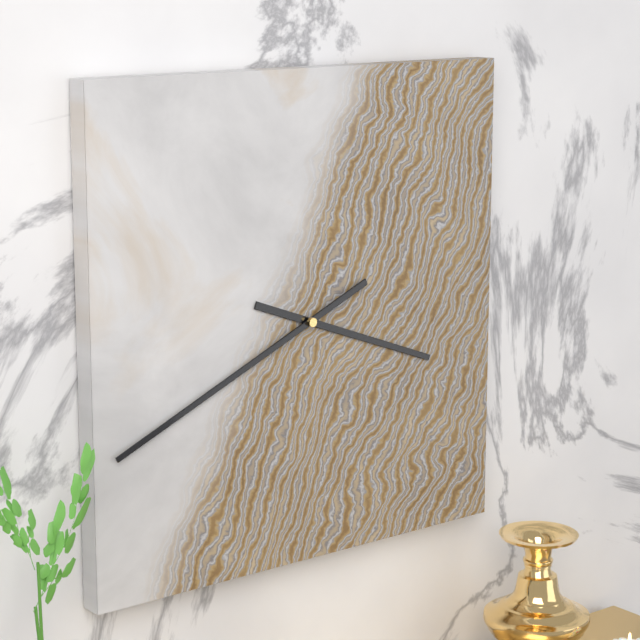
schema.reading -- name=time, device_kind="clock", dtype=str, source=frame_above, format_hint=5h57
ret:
3h41
